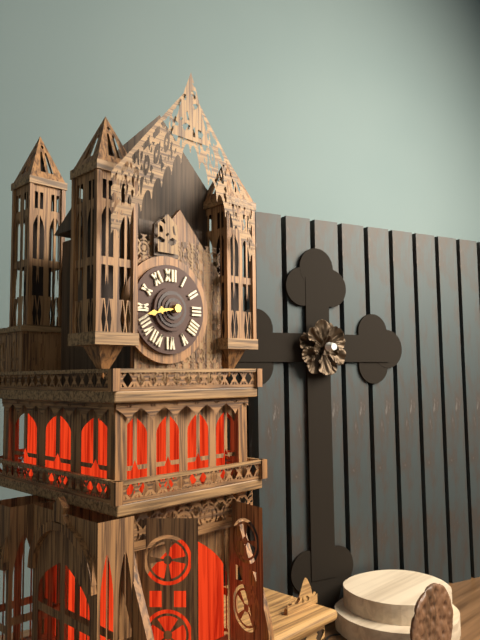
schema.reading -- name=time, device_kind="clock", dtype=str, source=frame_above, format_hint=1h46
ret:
8h43
